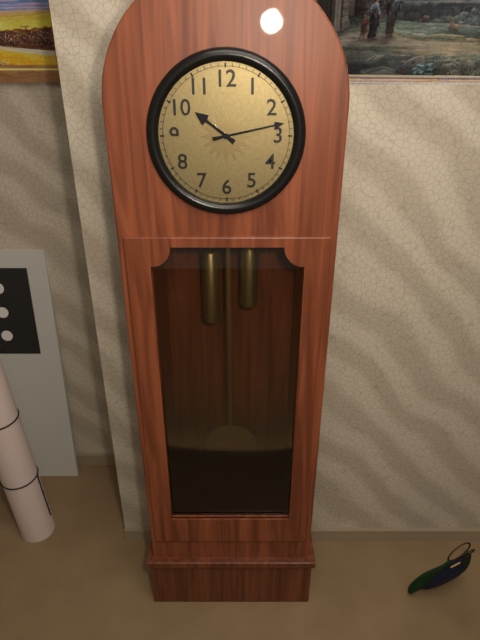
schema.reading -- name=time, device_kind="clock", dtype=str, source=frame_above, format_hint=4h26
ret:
10h13
